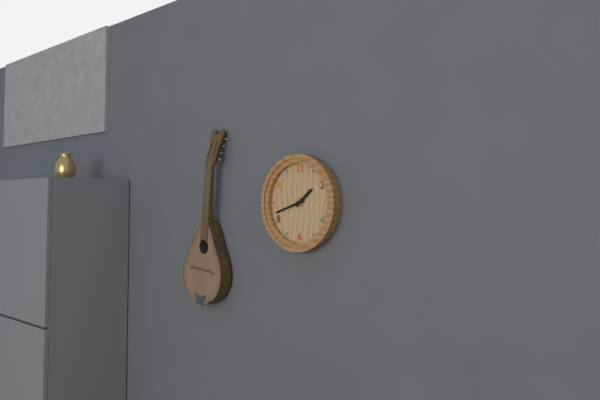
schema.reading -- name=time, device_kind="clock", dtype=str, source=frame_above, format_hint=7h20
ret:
1h42
